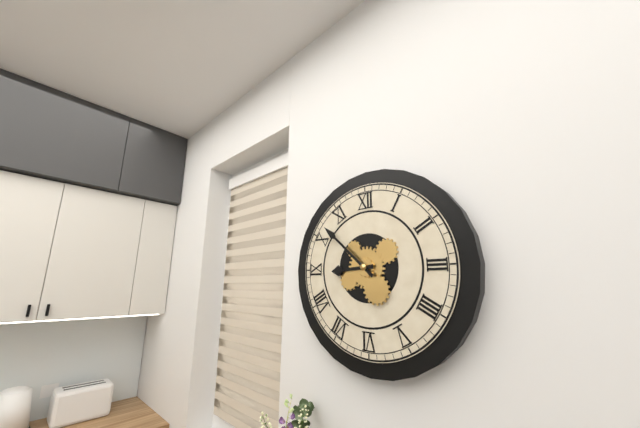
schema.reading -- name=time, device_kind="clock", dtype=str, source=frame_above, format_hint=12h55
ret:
8h52
